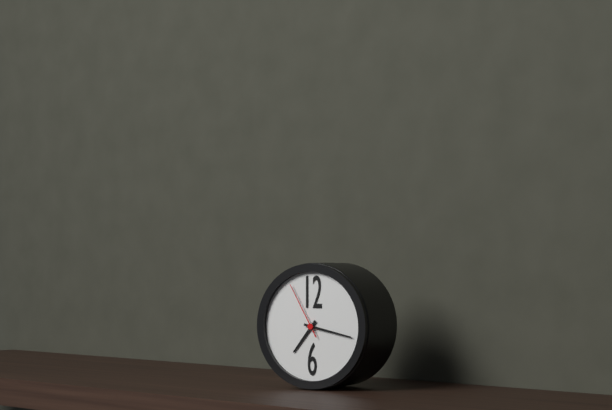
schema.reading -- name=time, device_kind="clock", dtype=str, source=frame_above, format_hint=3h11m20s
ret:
7h17m55s
